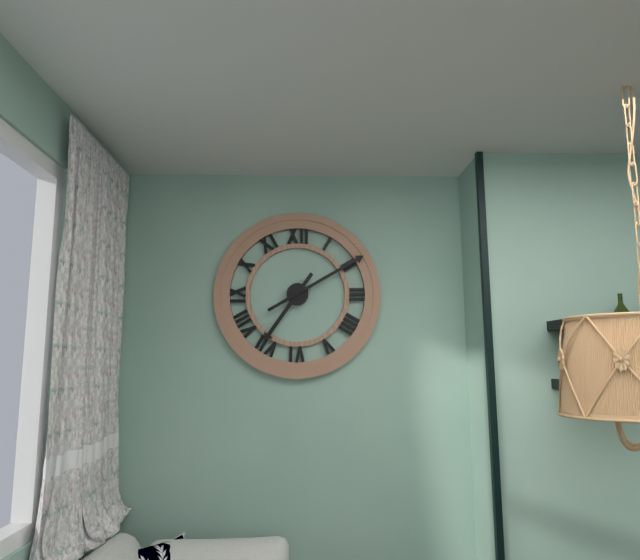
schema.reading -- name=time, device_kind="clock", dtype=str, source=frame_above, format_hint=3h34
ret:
7h10
